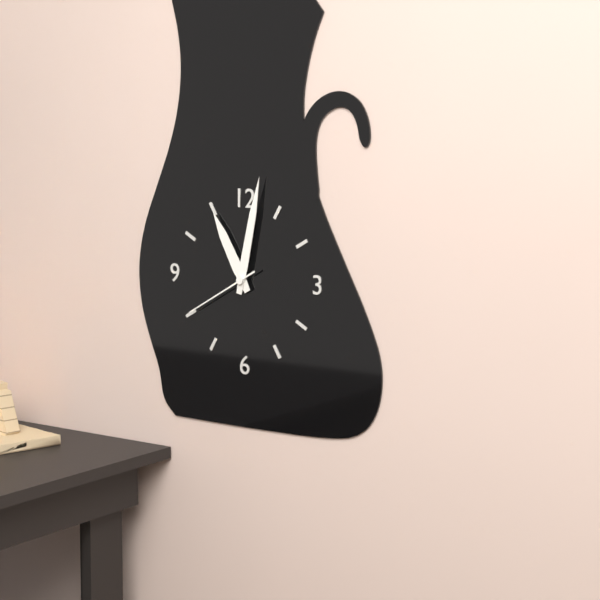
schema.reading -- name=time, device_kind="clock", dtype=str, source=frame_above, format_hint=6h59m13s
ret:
11h02m40s
